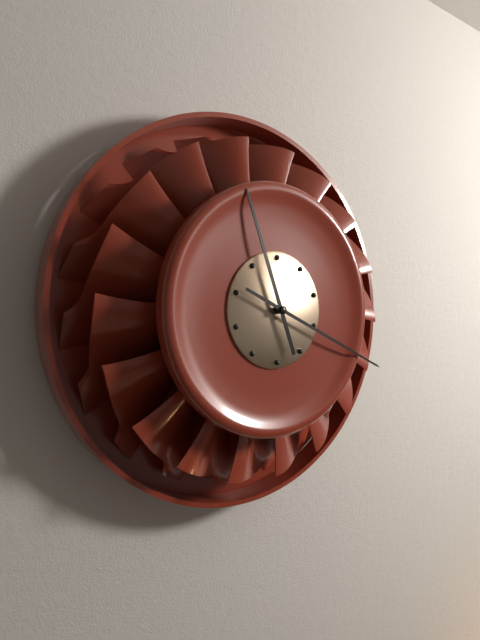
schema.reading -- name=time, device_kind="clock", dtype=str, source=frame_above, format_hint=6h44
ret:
11h19
